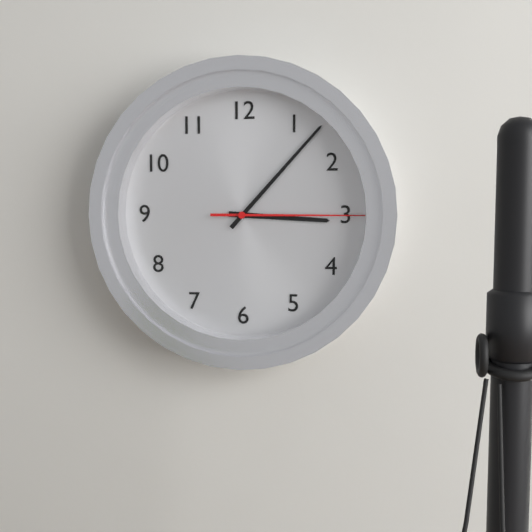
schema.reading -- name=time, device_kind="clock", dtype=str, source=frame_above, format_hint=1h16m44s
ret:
3h07m15s
